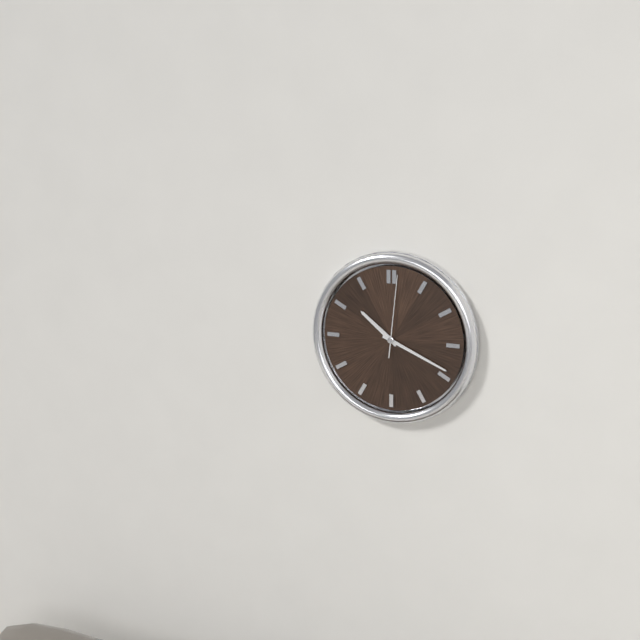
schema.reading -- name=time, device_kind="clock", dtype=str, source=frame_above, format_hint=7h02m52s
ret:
10h19m01s
